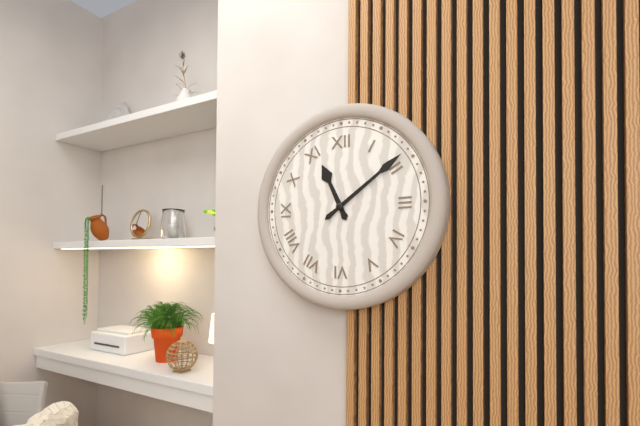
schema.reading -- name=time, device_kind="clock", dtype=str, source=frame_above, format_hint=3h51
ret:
11h09
